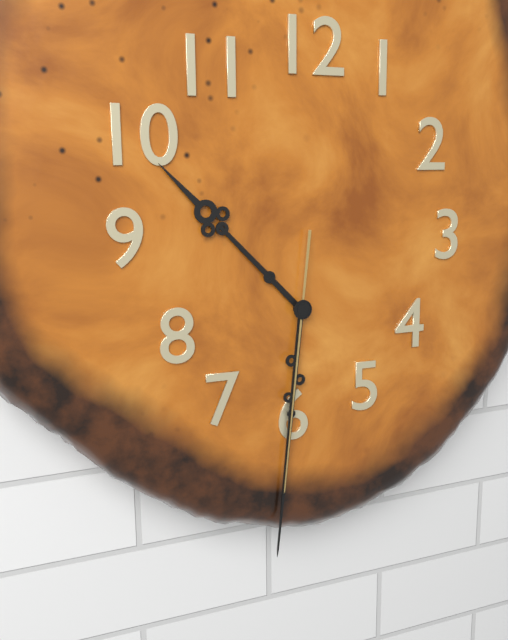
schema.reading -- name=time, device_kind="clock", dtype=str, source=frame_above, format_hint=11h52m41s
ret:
10h31m31s
